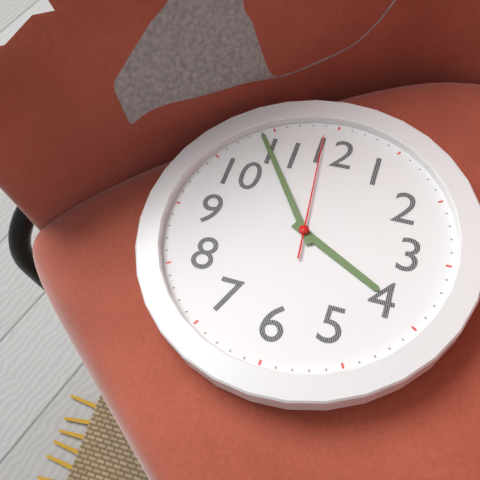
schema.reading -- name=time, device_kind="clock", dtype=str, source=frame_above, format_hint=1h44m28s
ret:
3h54m59s
